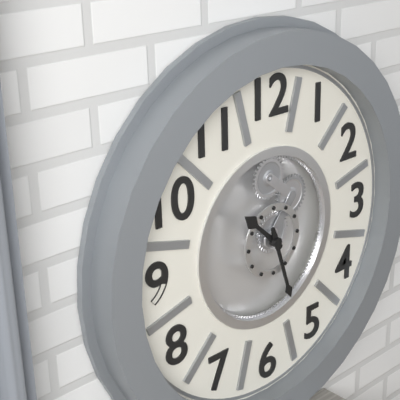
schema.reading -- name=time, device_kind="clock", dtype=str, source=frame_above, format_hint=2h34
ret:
10h27
